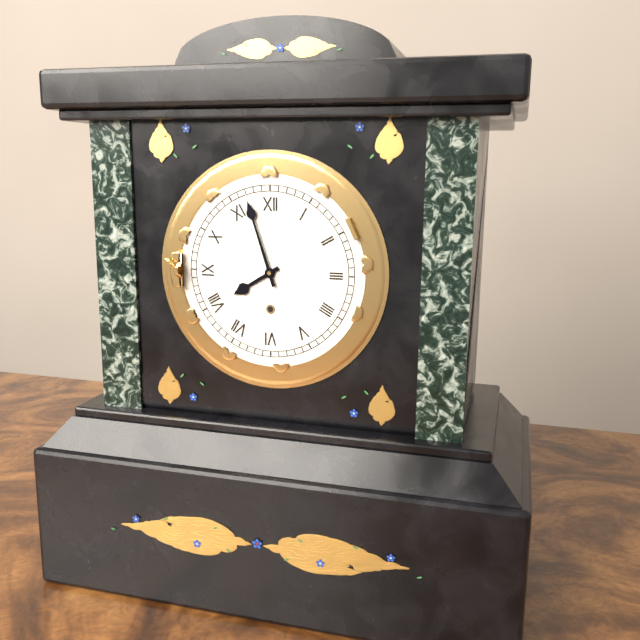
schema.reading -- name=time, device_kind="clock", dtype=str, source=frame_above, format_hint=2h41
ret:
7h57
